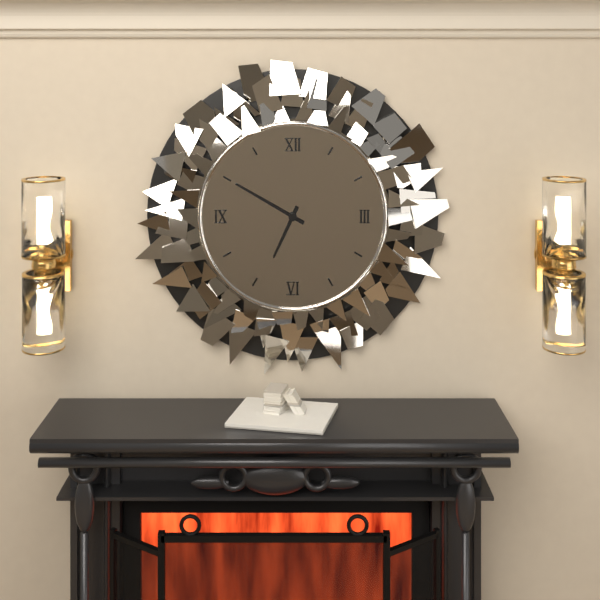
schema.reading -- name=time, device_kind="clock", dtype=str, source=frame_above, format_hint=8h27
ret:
6h50
